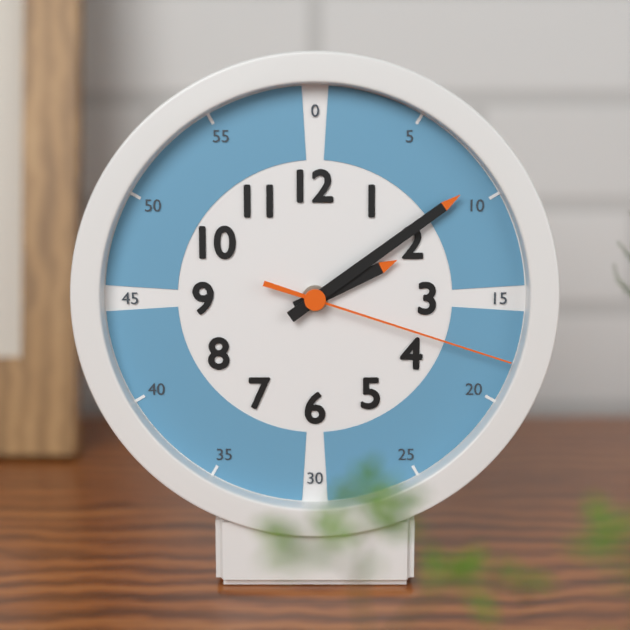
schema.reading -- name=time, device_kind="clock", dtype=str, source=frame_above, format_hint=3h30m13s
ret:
2h09m18s
